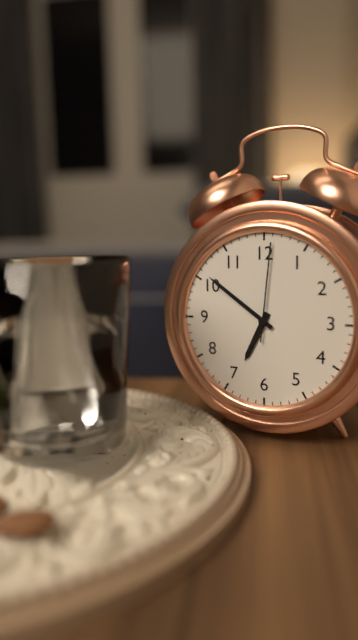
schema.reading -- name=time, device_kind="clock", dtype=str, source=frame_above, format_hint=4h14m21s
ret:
6h51m01s
